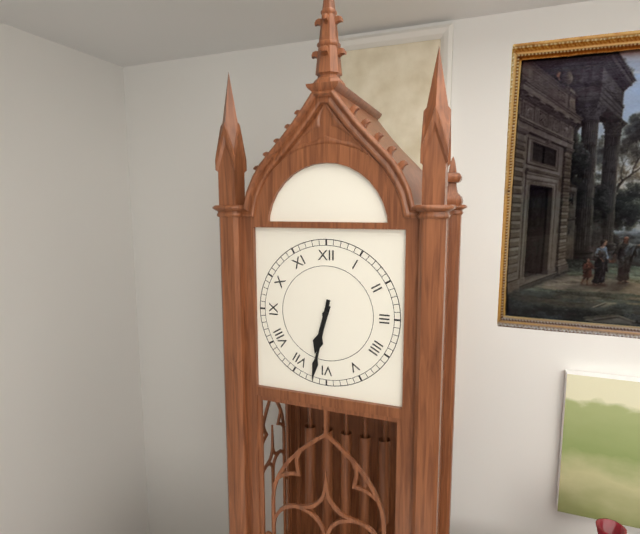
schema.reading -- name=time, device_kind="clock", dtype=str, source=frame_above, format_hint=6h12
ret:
6h32
